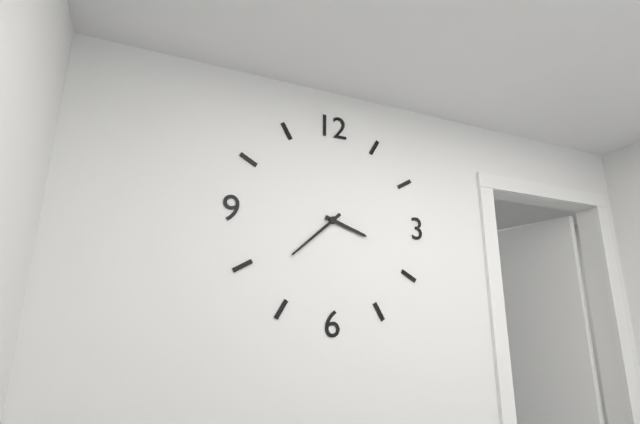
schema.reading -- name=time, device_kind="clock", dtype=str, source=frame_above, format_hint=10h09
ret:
3h38
